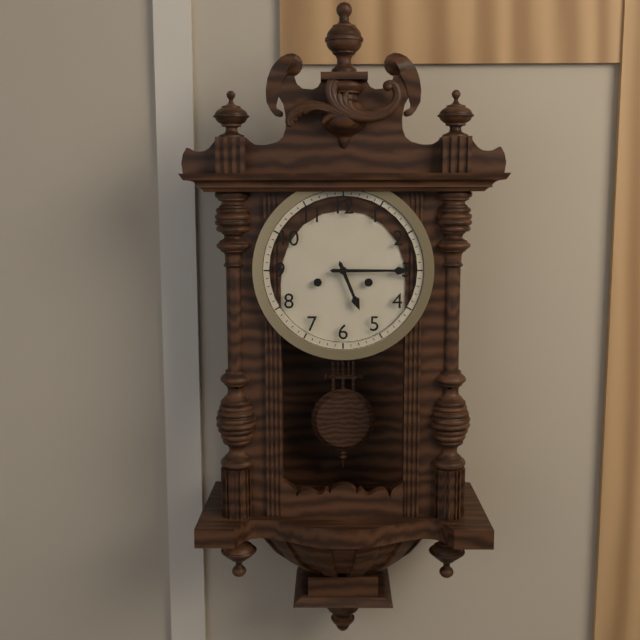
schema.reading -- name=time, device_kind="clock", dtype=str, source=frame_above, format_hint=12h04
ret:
5h15
